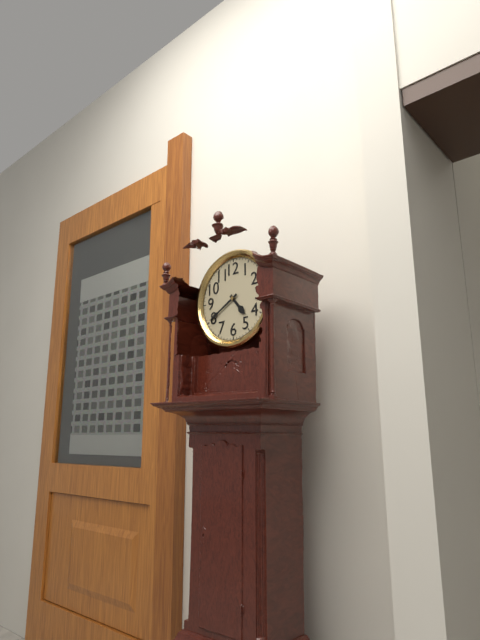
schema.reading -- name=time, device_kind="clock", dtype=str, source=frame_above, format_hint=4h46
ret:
4h40
